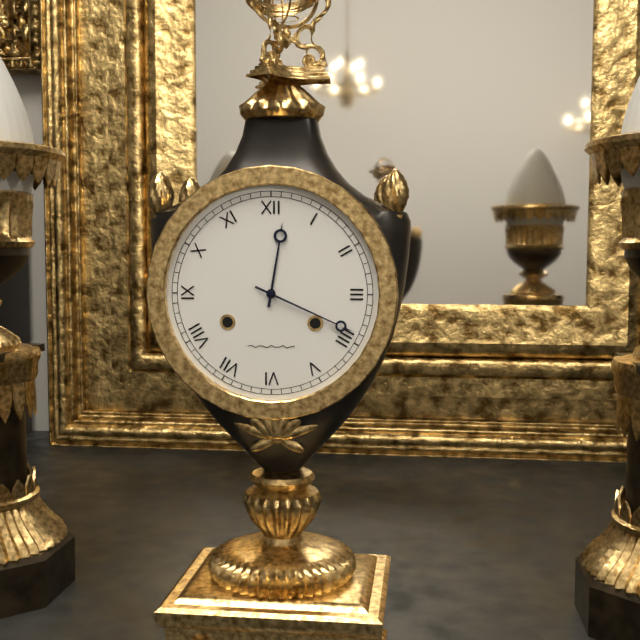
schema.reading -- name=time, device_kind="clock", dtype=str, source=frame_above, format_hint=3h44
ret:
12h19
